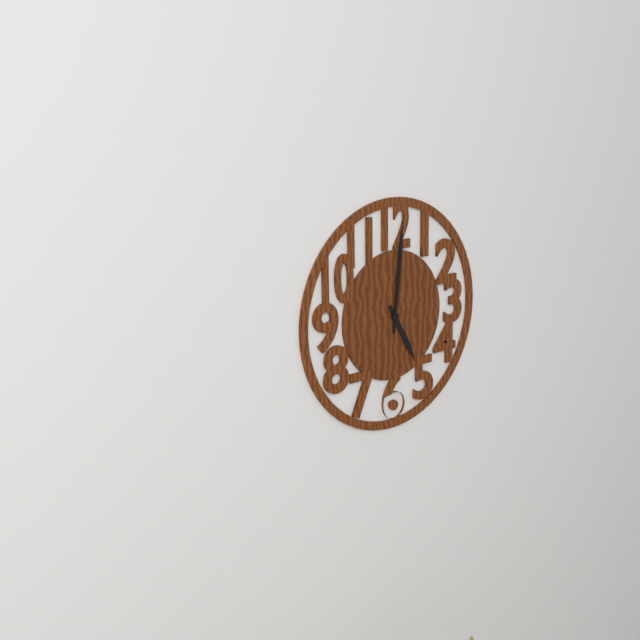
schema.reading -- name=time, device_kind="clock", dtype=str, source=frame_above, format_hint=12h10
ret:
5h01
